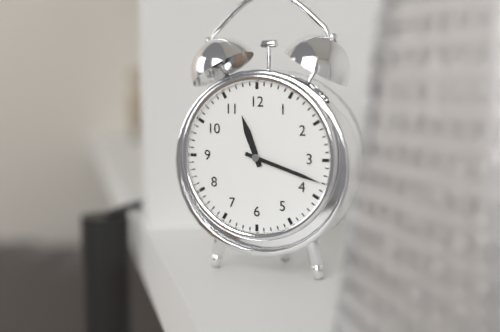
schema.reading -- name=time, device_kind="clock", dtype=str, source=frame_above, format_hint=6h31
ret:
11h18
